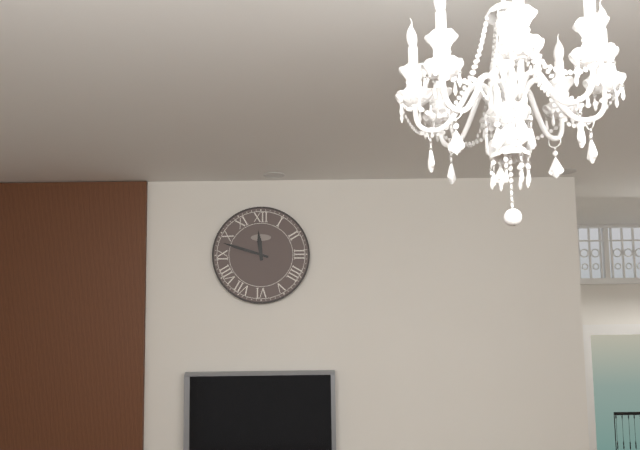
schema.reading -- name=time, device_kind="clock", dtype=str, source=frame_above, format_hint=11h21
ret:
11h48
